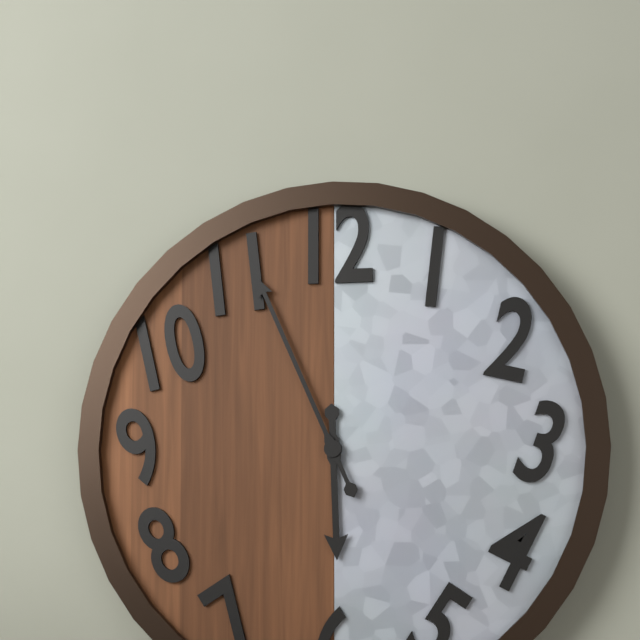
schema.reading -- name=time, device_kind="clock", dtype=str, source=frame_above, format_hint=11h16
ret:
5h56
